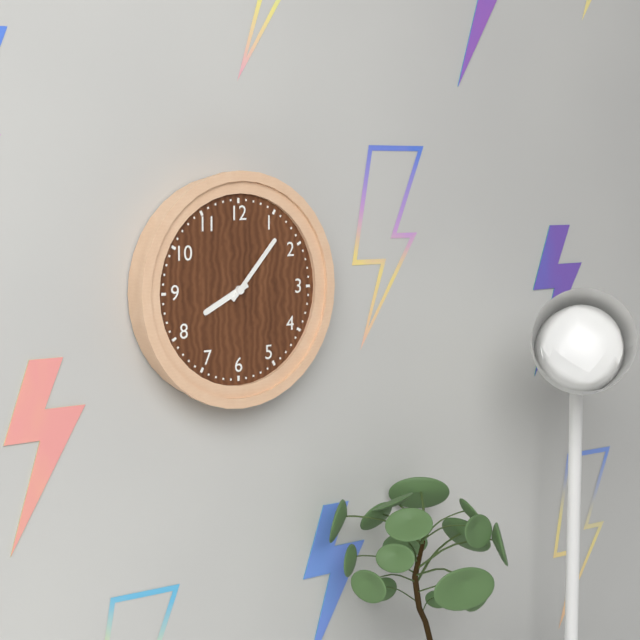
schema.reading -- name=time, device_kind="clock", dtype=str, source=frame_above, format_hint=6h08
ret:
8h07
